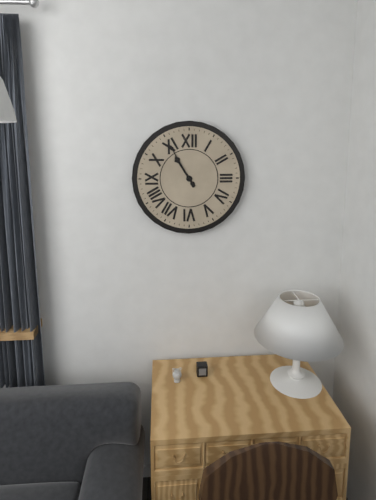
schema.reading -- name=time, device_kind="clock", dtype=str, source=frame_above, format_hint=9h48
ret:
10h55
